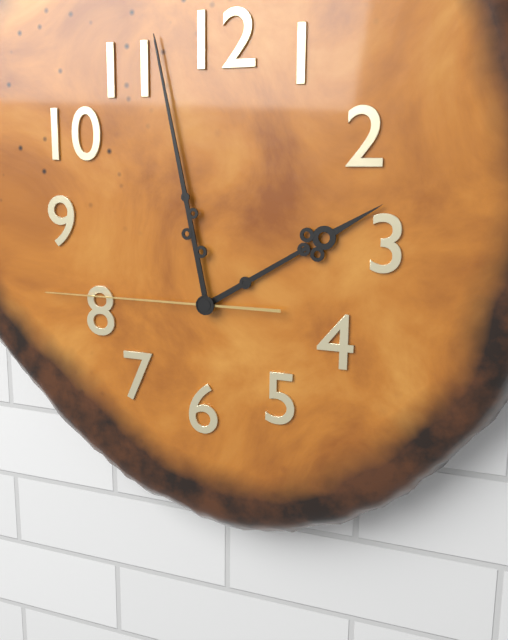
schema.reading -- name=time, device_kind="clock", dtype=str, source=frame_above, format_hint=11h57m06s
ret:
1h58m45s
